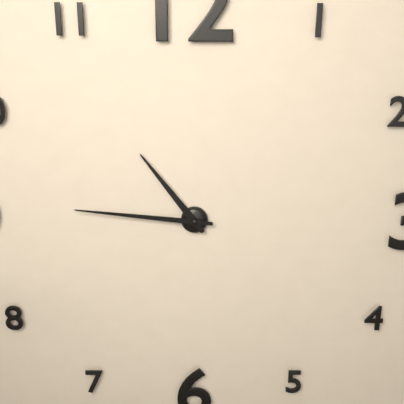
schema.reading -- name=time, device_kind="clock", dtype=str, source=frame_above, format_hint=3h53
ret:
10h46
